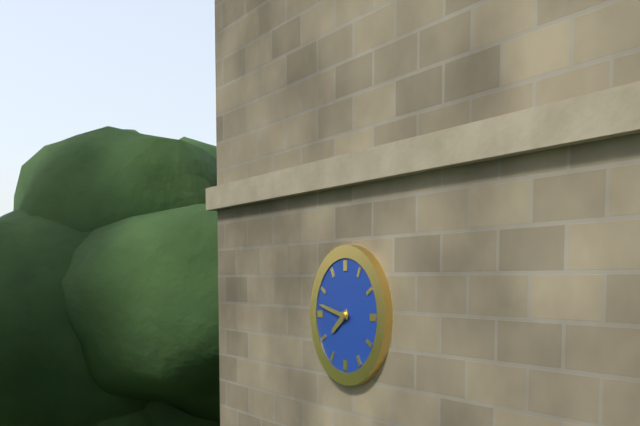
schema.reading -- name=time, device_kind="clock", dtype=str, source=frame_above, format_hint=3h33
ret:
7h47
